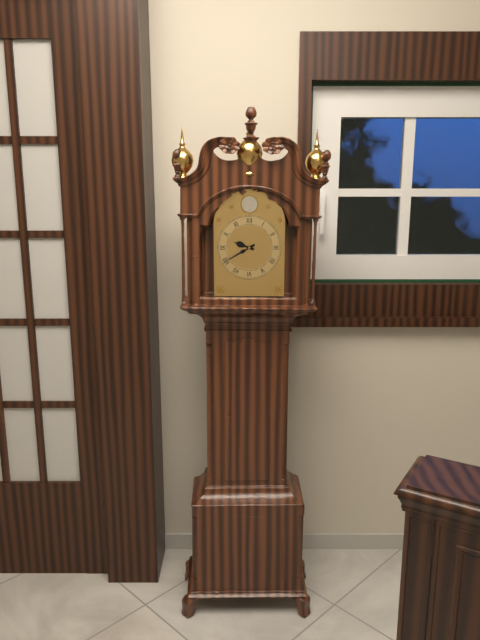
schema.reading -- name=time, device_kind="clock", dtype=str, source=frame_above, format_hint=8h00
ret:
9h40
